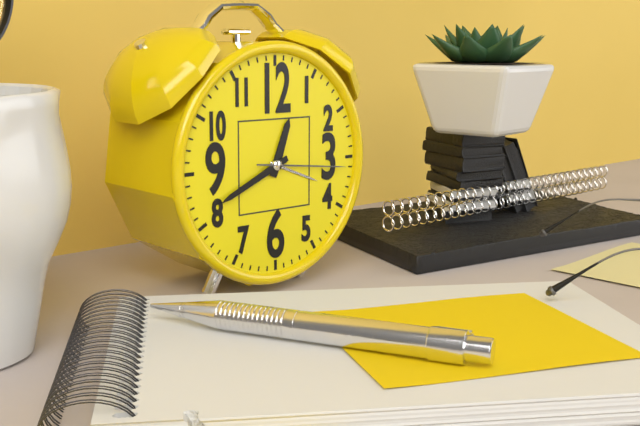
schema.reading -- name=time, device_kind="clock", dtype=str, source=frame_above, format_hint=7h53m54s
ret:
12h41m16s
